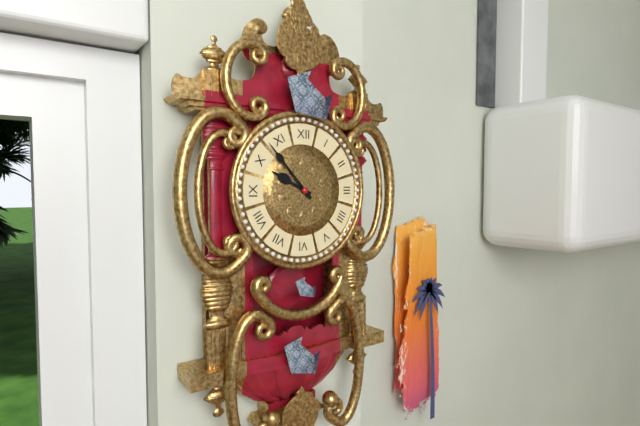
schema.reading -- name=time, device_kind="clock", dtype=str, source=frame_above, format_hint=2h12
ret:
9h53
